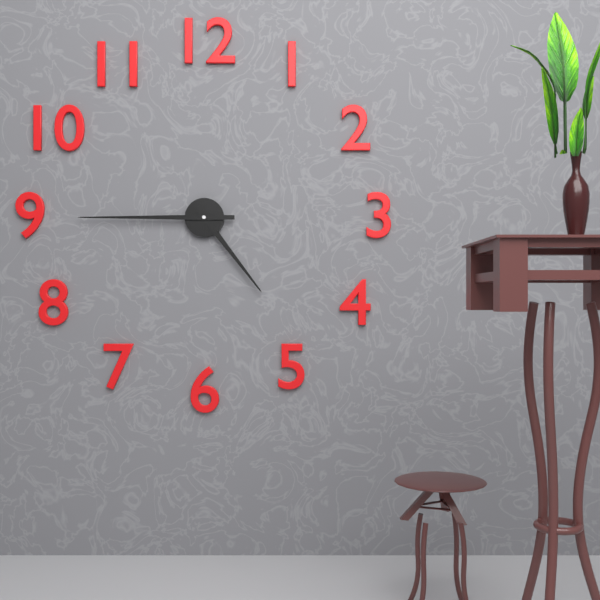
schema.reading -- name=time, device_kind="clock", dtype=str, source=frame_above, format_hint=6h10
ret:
4h45
